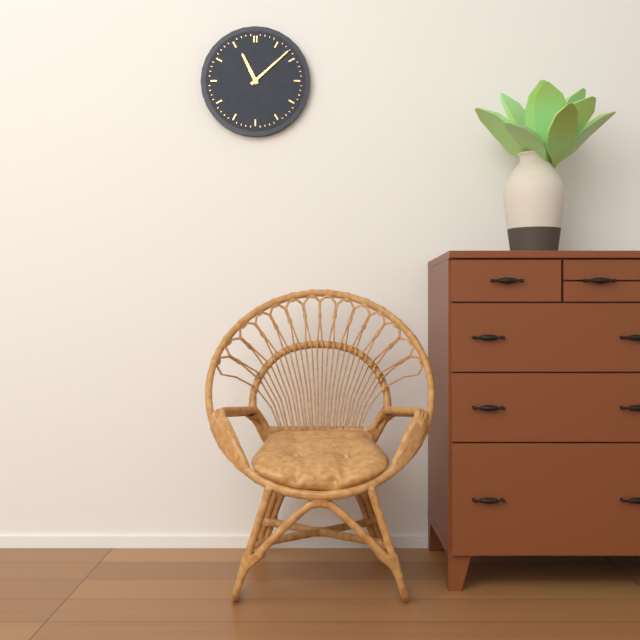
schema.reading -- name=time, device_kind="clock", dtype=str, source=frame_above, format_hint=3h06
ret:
11h08
